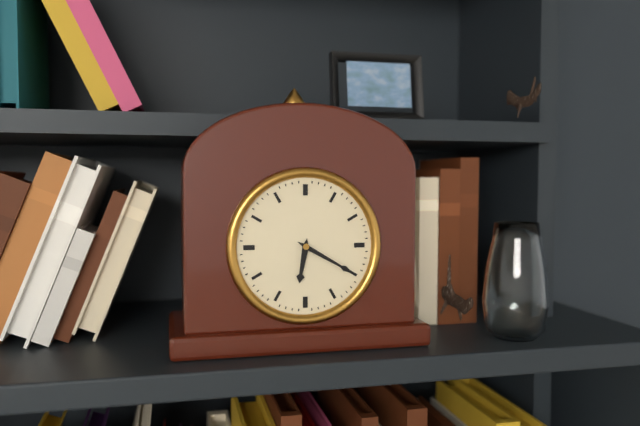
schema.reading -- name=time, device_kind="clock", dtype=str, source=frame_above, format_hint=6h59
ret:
6h20
